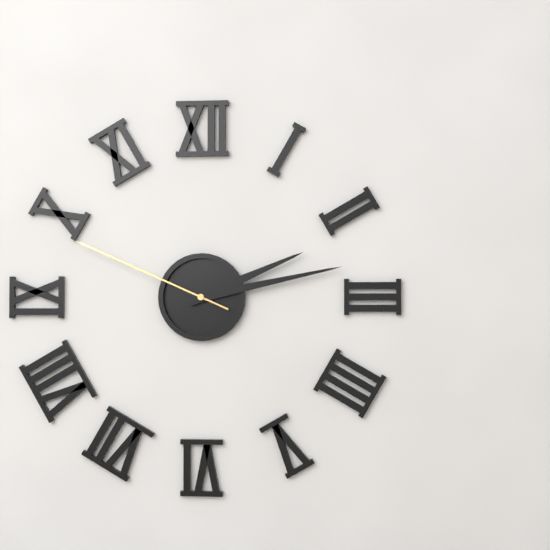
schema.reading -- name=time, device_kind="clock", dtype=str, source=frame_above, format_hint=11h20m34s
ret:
2h13m49s
